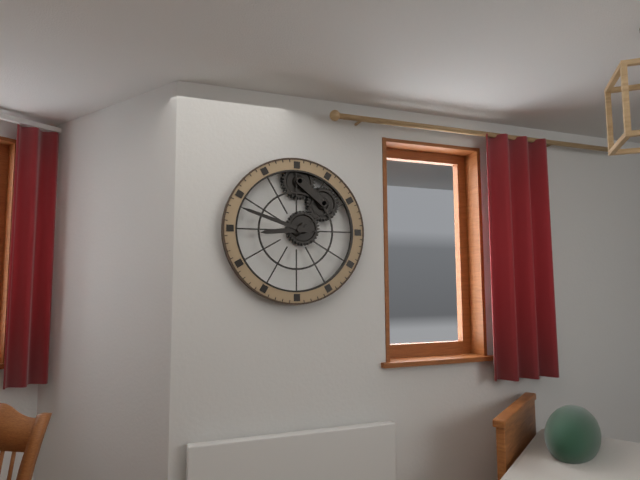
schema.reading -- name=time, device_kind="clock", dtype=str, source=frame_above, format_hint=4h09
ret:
8h48
